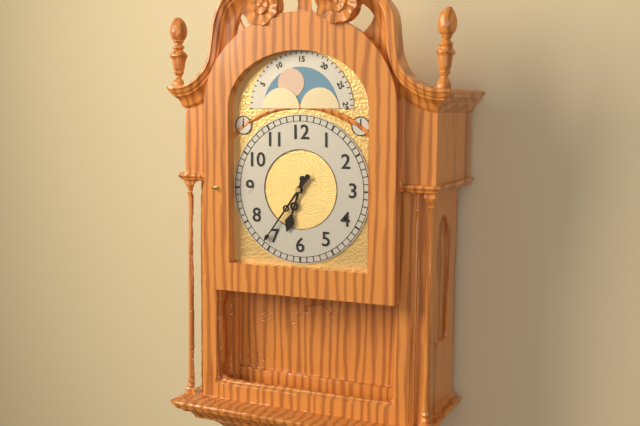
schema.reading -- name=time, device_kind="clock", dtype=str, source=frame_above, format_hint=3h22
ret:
6h36
